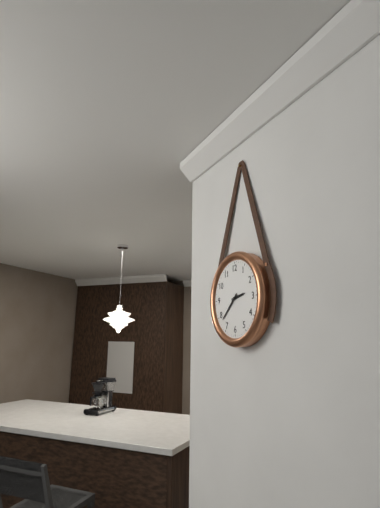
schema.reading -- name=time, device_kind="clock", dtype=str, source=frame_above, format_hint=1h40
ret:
2h38
